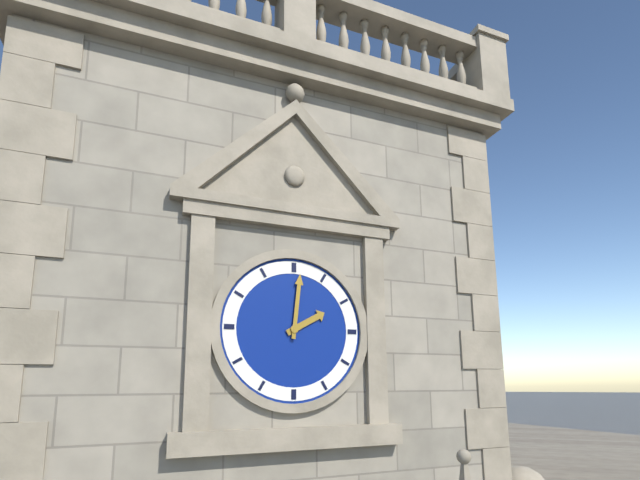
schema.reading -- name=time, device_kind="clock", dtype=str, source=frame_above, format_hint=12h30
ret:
2h01
